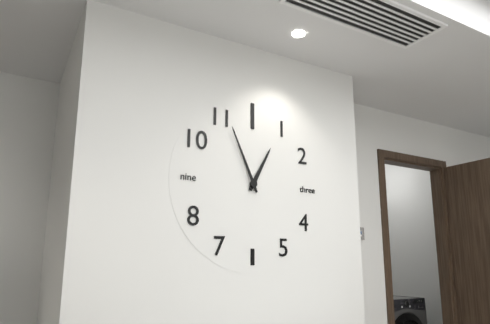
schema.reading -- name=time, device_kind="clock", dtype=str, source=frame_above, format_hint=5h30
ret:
12h56
